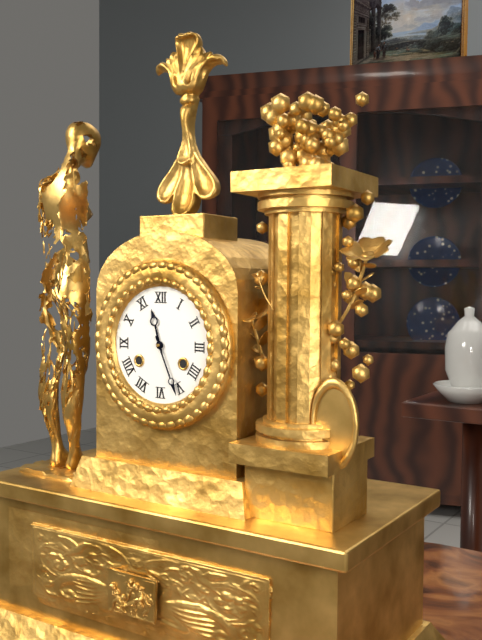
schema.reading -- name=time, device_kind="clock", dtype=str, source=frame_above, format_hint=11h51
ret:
11h26
